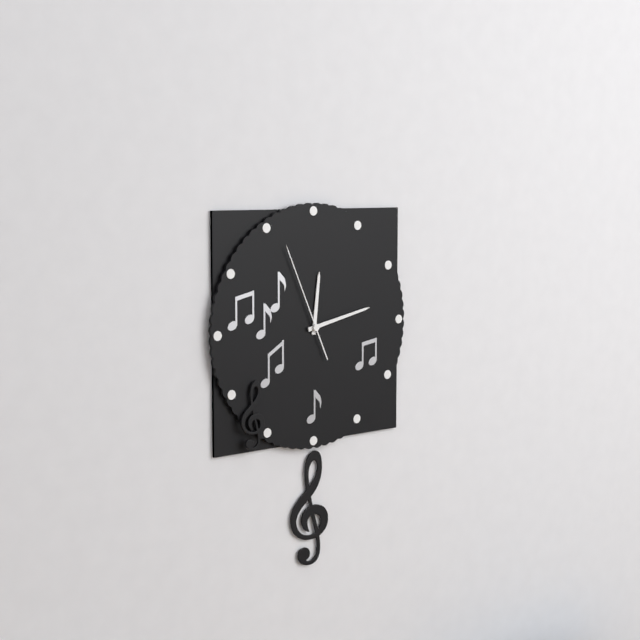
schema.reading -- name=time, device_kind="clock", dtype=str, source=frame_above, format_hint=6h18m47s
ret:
12h13m56s
